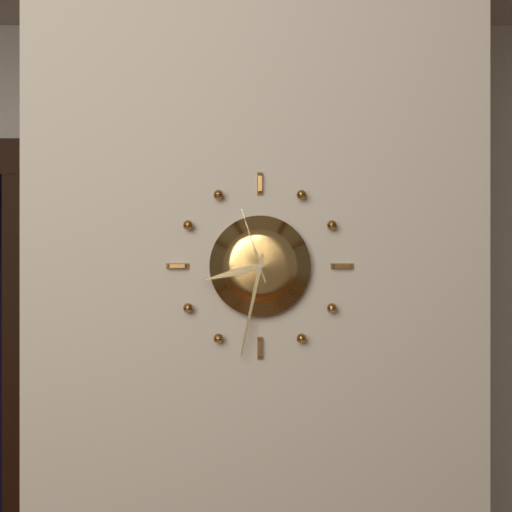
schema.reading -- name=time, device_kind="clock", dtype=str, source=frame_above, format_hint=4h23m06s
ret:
8h32m57s
